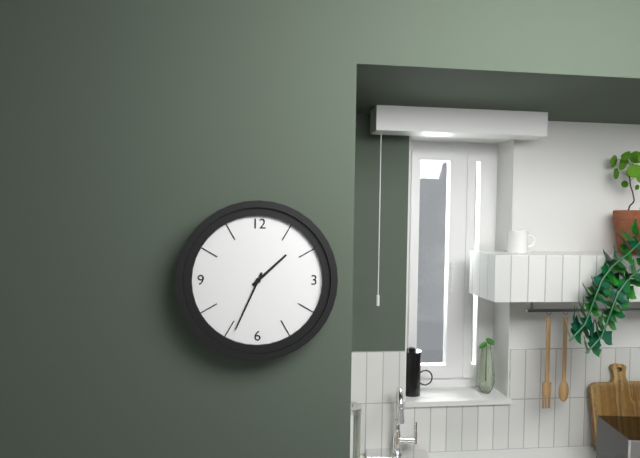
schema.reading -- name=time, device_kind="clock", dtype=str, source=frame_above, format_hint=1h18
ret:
1h34
